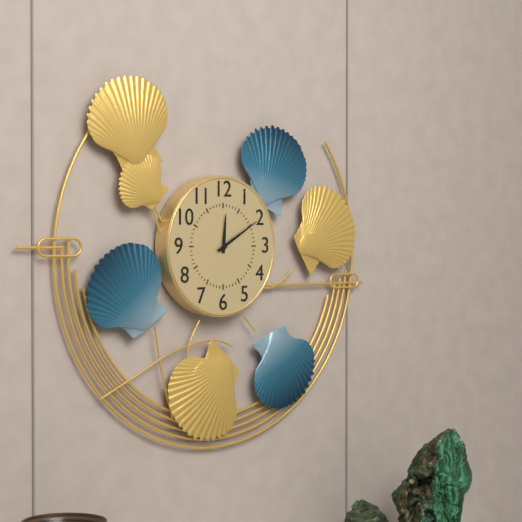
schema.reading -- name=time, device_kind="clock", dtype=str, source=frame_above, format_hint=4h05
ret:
12h10
